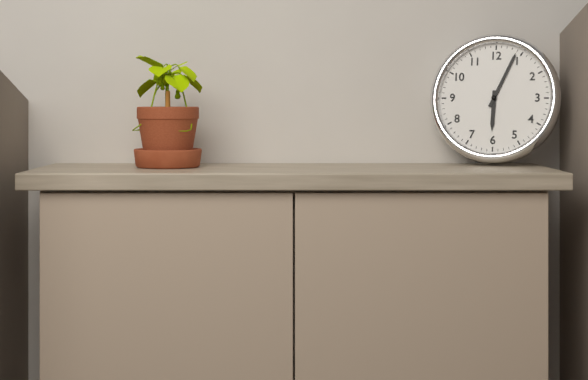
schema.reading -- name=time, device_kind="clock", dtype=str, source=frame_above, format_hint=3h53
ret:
6h04
